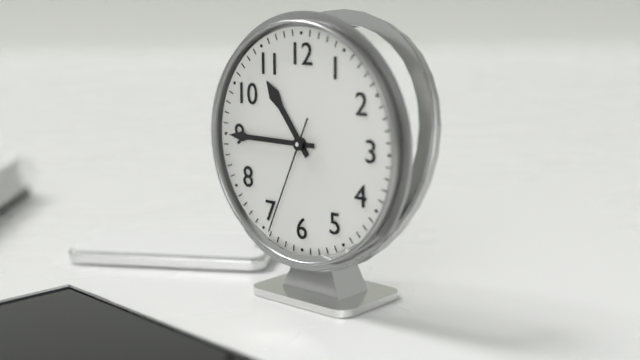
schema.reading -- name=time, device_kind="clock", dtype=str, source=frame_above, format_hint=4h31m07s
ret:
10h45m34s
